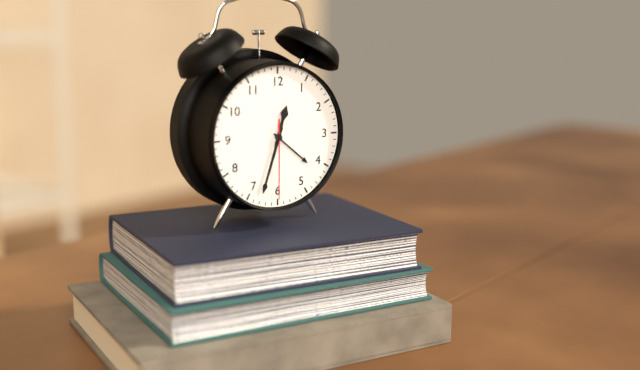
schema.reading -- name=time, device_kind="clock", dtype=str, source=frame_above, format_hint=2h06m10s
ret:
12h33m30s
